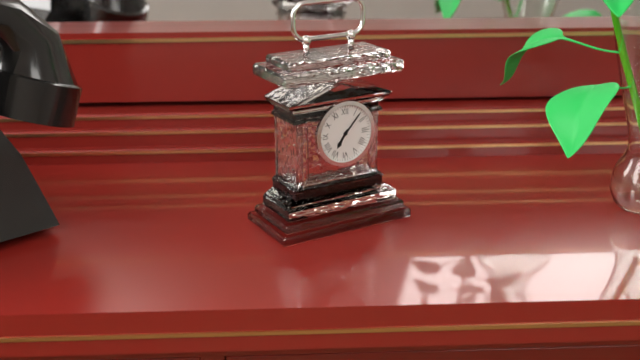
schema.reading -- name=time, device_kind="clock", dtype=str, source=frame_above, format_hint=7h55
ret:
7h07
